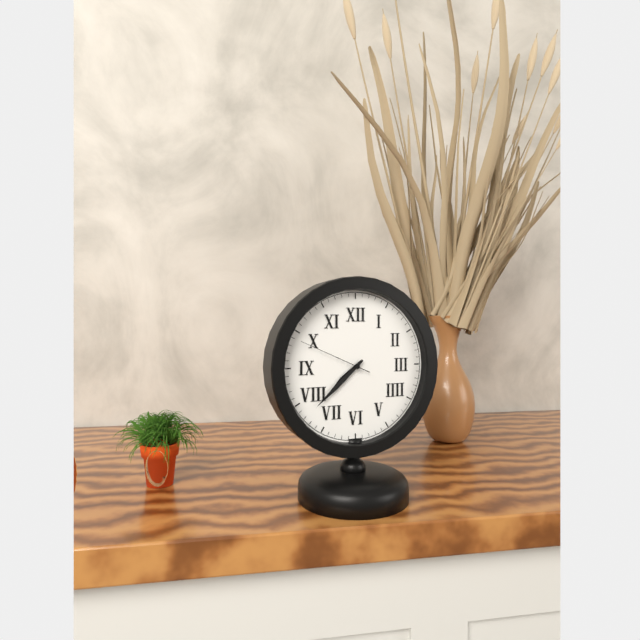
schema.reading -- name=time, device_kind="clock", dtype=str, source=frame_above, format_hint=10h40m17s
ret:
7h38m49s
